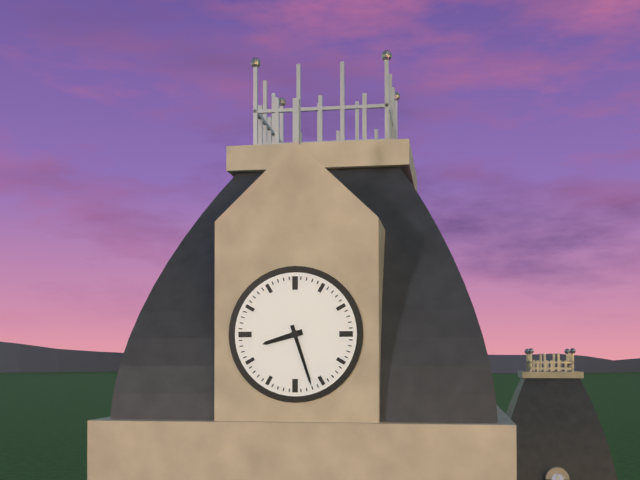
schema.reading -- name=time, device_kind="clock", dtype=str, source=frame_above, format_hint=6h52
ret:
8h27
